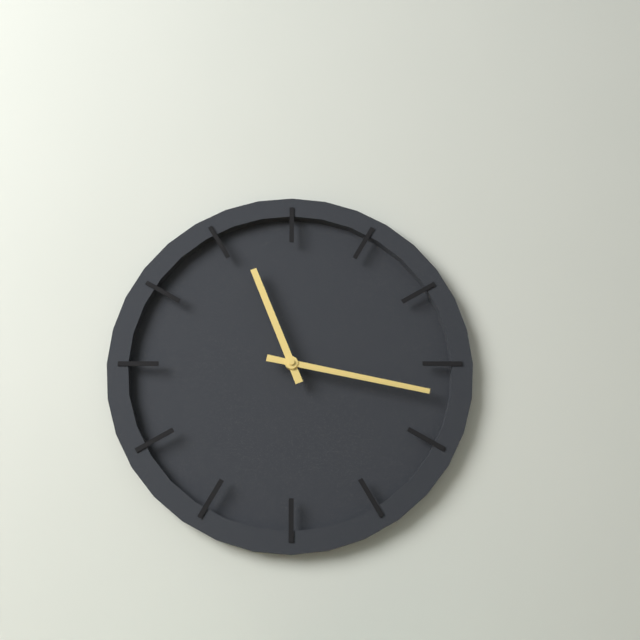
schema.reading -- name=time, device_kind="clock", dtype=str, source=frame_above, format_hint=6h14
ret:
11h17
